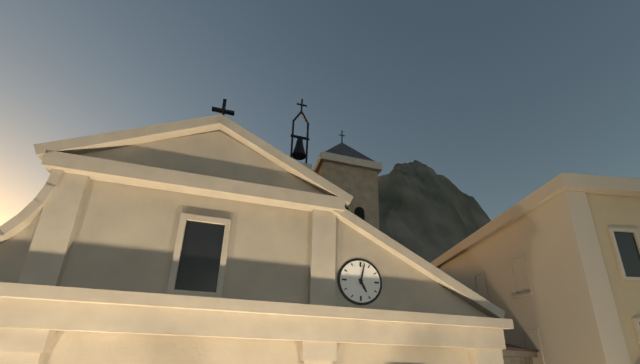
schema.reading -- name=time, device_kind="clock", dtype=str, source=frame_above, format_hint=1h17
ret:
5h02
